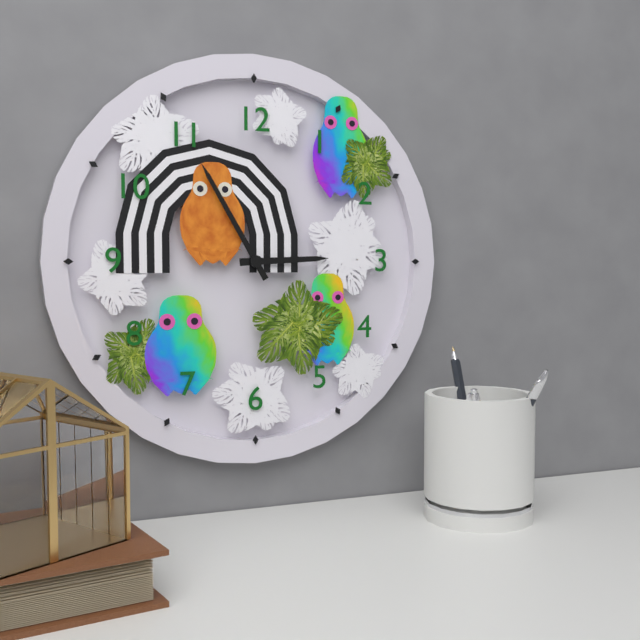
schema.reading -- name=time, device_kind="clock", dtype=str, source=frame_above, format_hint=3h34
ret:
2h55
